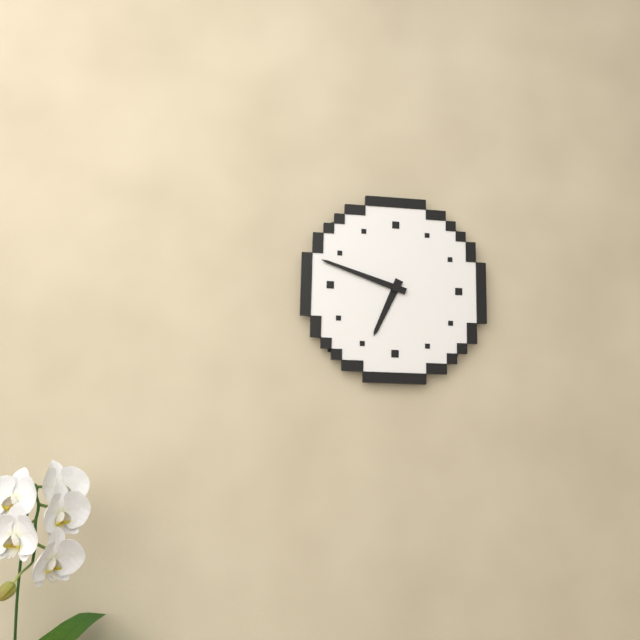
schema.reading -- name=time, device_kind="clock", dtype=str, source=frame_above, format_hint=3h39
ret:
6h48
